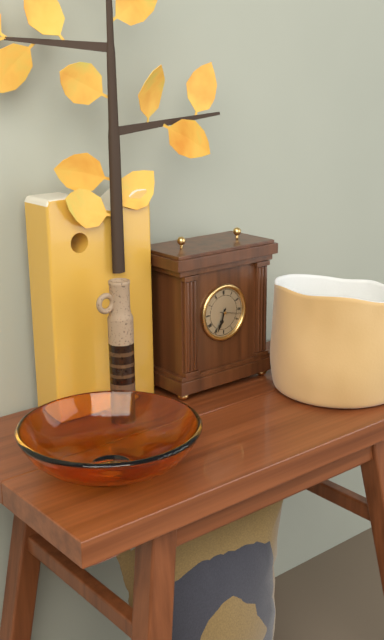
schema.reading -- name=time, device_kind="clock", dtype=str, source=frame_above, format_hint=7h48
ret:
6h34
